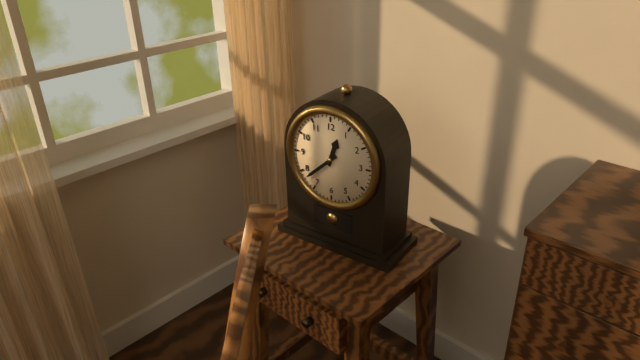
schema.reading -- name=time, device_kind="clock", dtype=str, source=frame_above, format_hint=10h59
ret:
12h38
